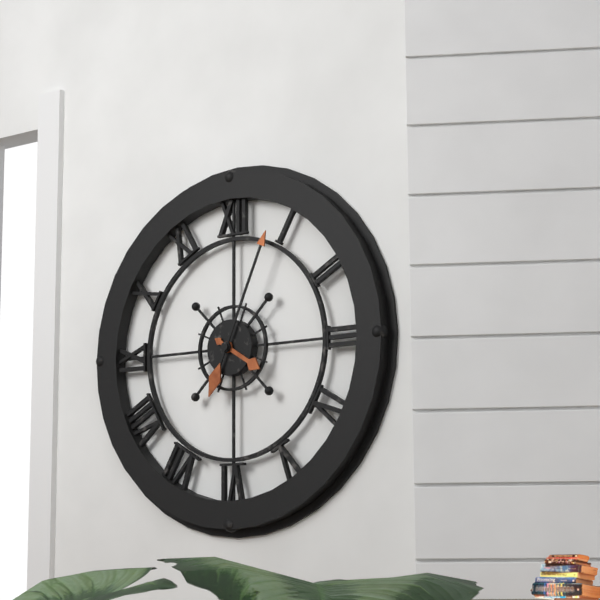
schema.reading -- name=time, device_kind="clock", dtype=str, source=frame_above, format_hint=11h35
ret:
4h04
